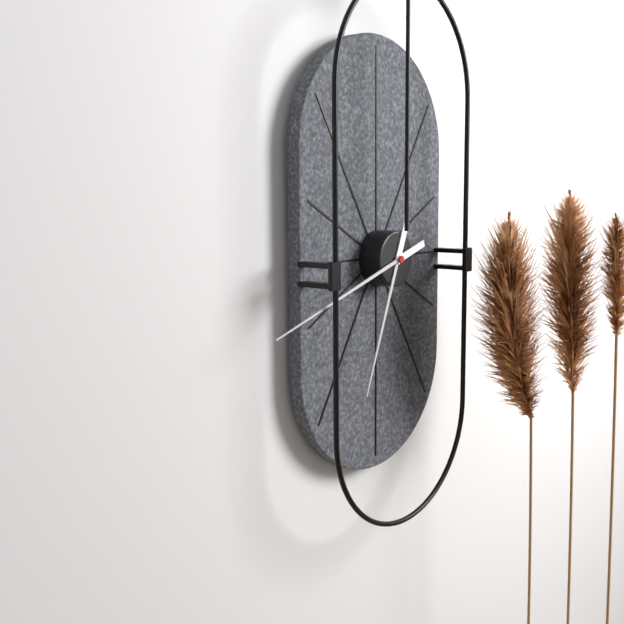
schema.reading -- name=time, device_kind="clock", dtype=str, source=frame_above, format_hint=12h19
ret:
6h42
